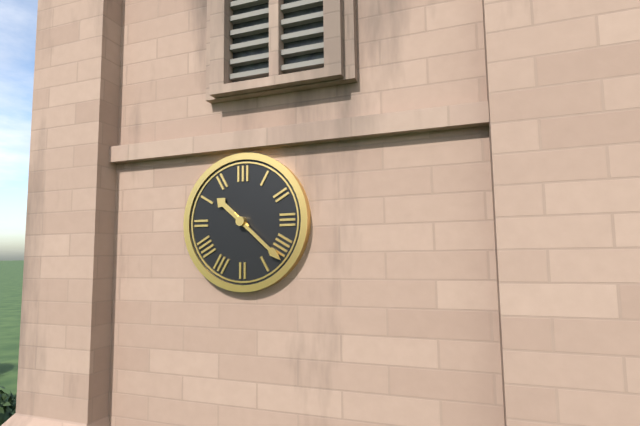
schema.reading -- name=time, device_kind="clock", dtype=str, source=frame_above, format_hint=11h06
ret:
10h22
